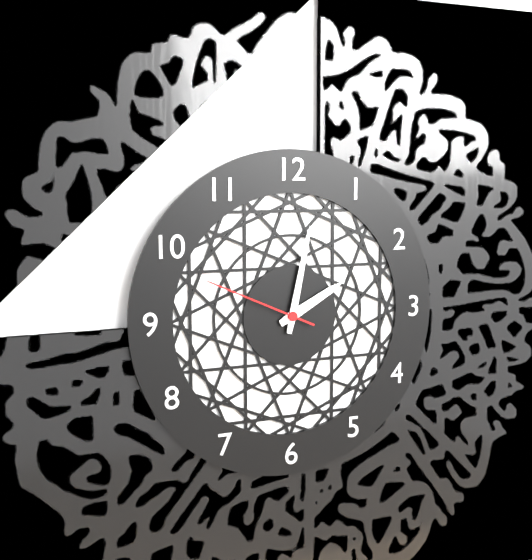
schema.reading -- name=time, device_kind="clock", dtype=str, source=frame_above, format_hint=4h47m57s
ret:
2h02m49s
